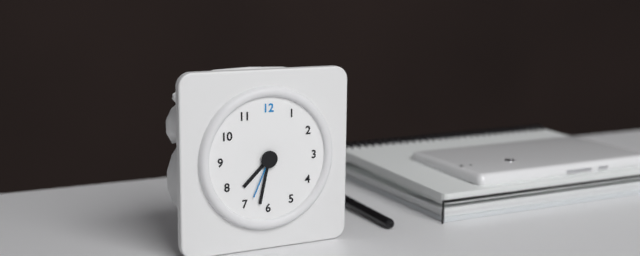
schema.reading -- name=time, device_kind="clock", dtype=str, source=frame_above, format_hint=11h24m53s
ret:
7h32m34s
